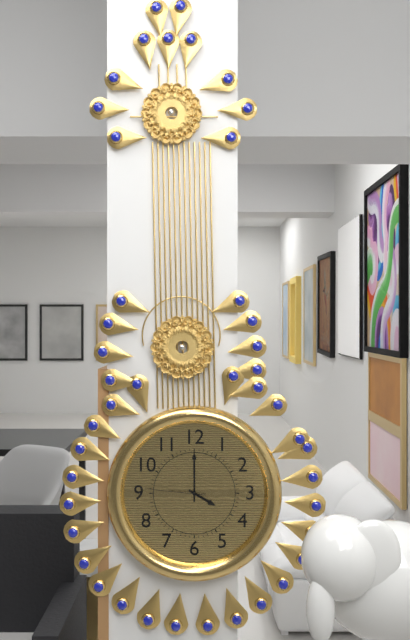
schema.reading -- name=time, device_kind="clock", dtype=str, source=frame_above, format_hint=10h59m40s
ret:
4h00m46s
